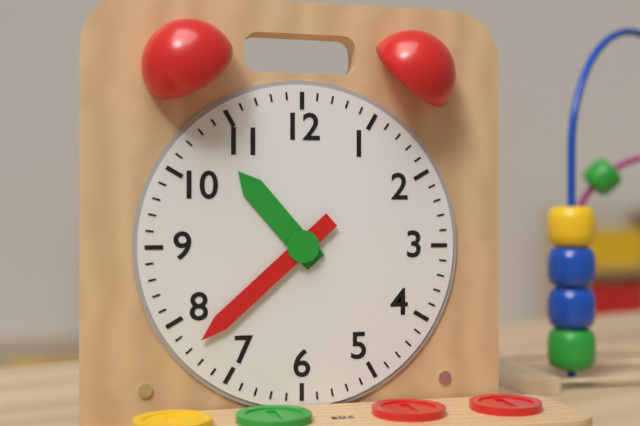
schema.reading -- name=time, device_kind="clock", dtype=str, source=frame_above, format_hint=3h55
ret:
10h38
